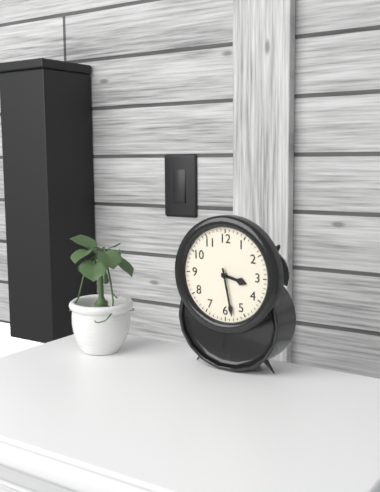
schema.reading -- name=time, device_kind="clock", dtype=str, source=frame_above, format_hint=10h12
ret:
3h28
